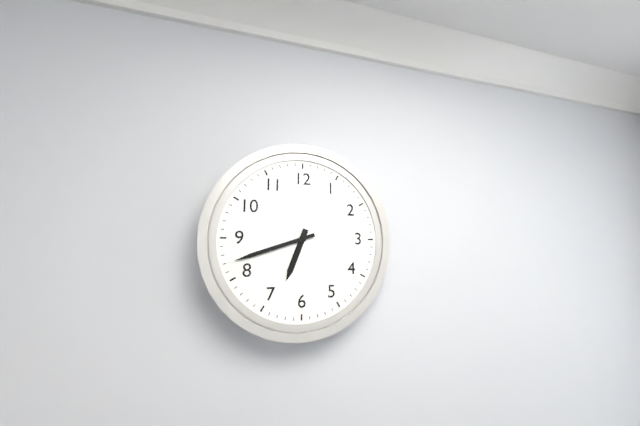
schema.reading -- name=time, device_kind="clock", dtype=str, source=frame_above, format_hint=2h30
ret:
6h42
